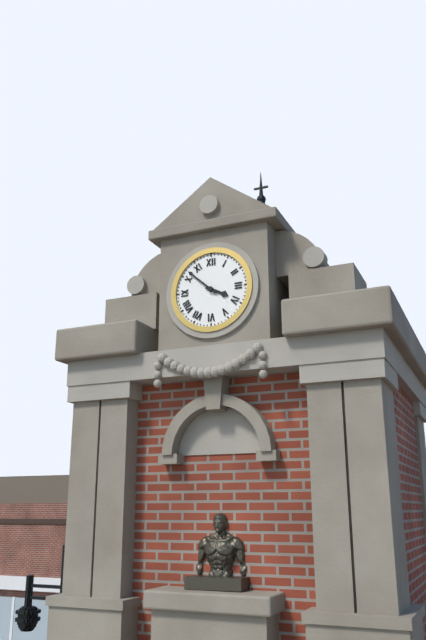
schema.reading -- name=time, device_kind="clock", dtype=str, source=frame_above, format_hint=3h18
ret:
3h52
